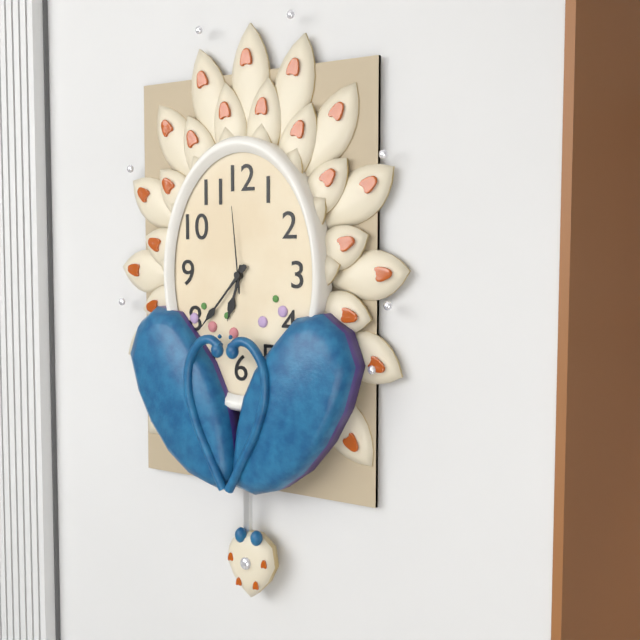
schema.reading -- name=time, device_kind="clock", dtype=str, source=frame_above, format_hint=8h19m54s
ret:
6h37m59s
